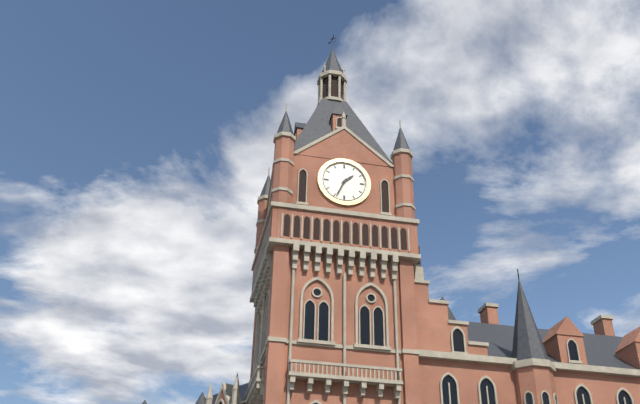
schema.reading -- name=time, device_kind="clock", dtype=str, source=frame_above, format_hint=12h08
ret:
1h34
